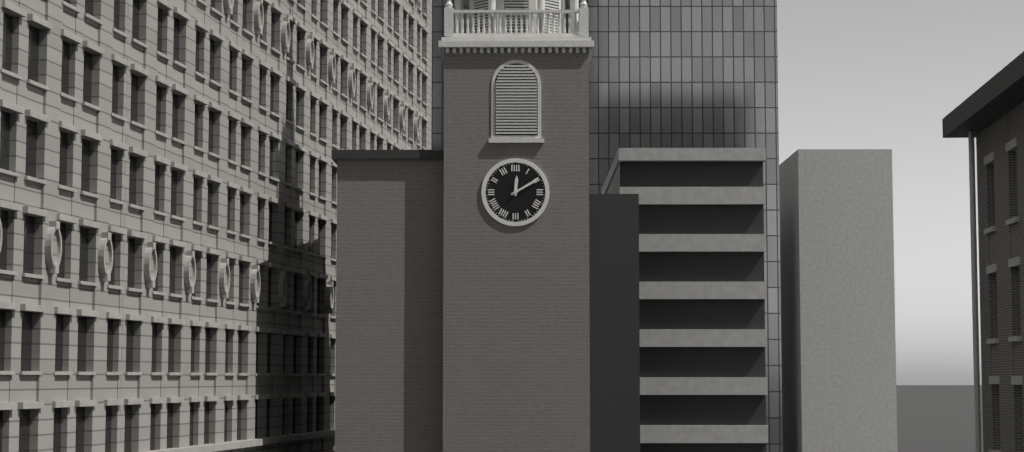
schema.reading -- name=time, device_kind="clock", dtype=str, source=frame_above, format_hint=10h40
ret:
12h10
